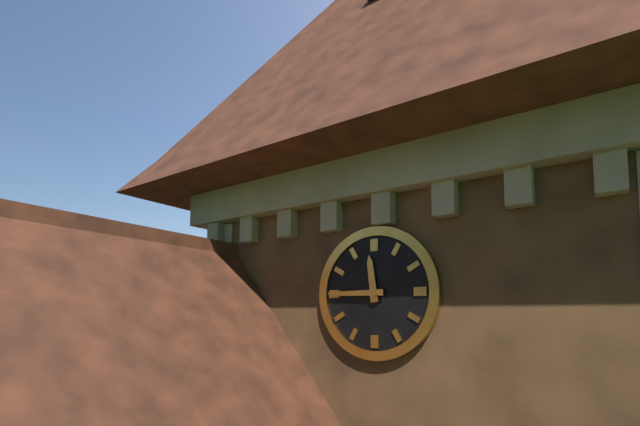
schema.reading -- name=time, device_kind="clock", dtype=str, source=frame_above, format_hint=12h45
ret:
11h45
